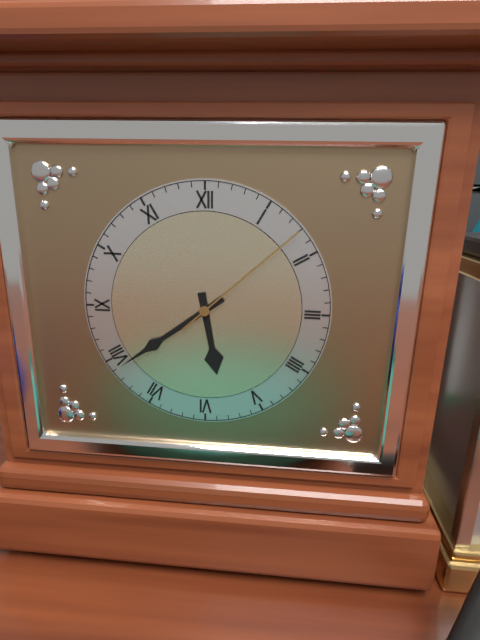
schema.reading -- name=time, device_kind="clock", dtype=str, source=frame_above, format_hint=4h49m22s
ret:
5h39m08s
